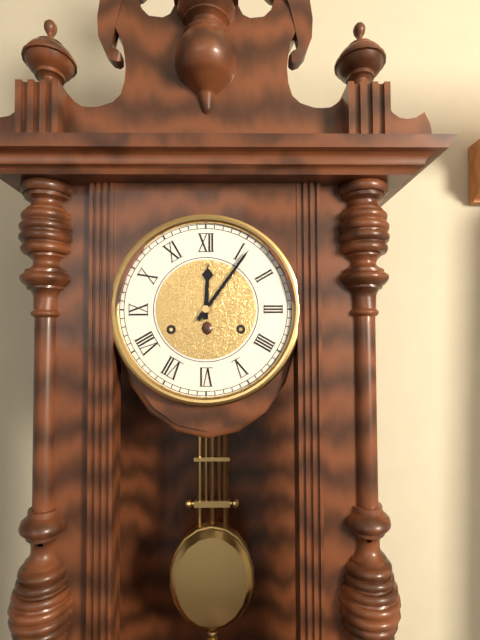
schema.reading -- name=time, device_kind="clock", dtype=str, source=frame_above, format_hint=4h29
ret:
12h06
